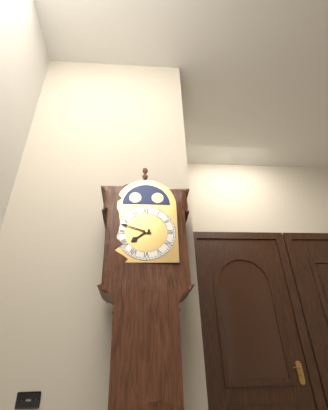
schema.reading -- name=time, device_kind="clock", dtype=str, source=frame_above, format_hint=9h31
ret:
7h48
